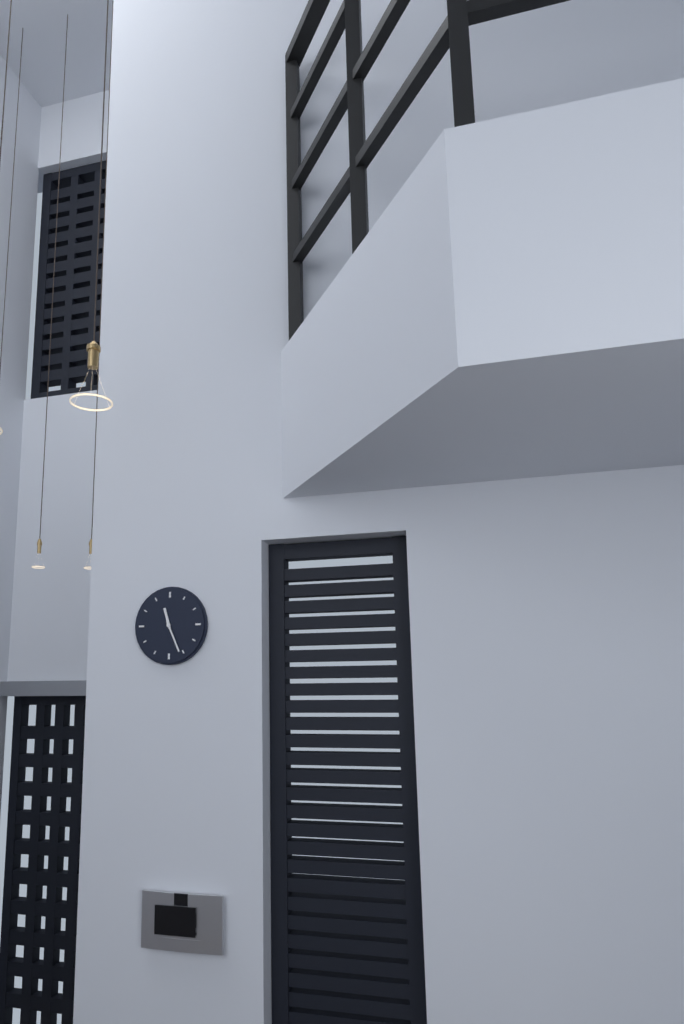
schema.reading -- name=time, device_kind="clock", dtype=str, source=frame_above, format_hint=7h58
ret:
11h26
